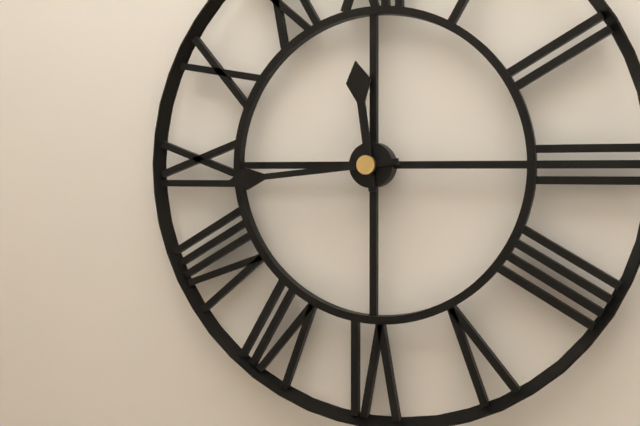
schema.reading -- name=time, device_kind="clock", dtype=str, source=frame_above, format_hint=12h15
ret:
11h44
